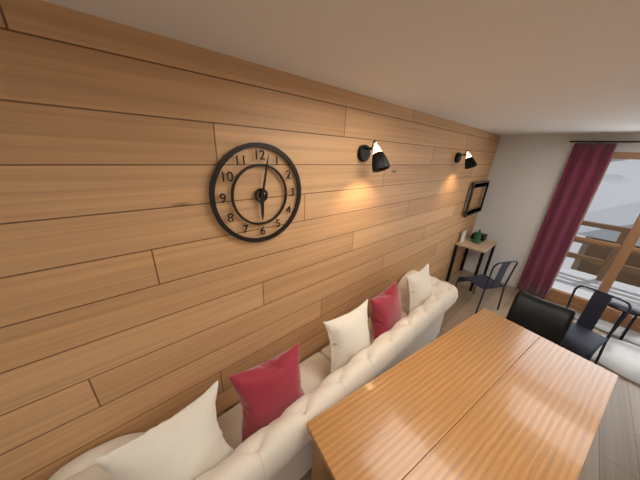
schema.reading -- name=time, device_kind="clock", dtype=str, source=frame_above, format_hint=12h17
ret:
6h02
